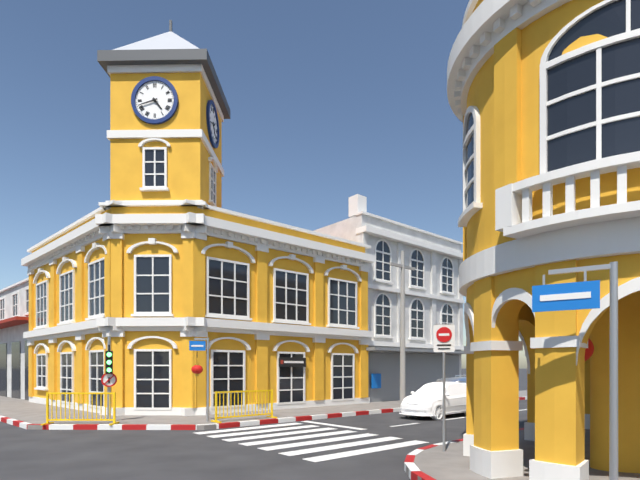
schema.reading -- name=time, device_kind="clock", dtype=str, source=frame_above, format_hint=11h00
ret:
4h42
